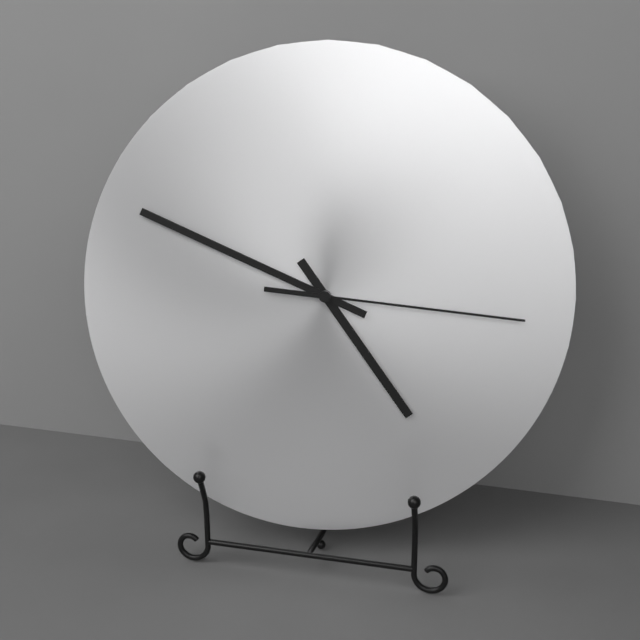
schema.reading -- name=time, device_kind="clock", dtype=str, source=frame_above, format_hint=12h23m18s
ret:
4h49m16s
